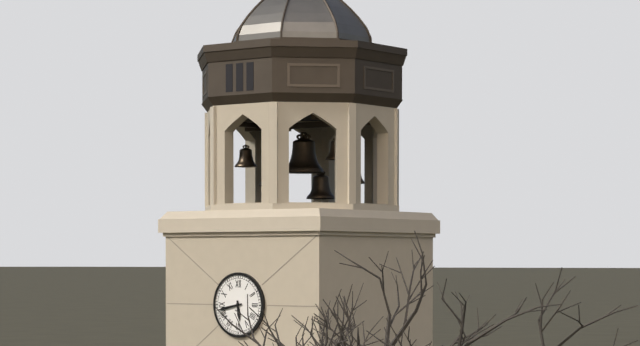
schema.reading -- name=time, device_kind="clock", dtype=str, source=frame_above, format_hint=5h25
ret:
5h43
